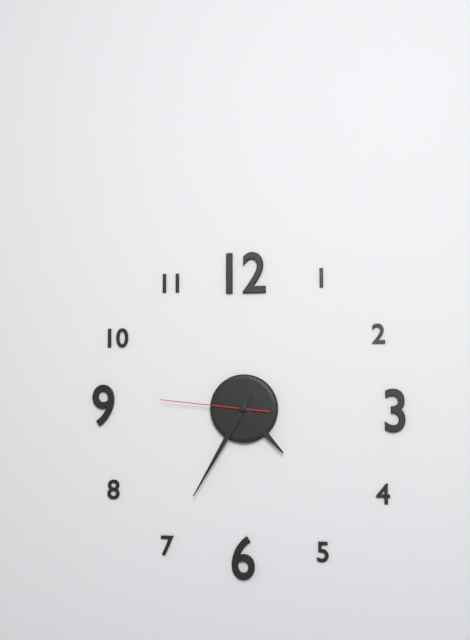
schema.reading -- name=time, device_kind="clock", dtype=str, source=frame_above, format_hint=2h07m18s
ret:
4h35m46s
